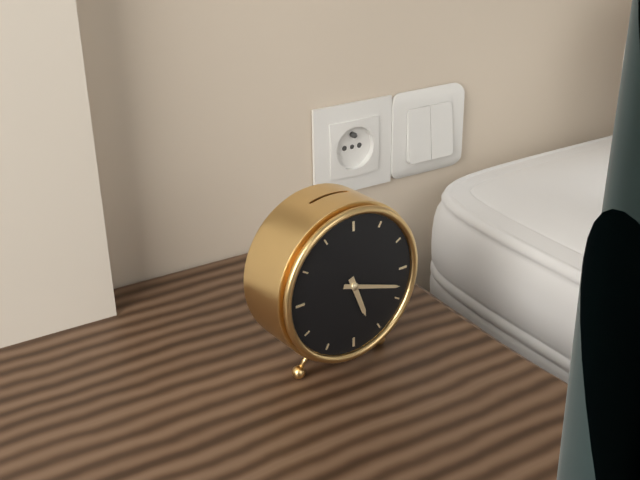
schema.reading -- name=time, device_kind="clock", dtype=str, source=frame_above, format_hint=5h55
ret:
5h18
